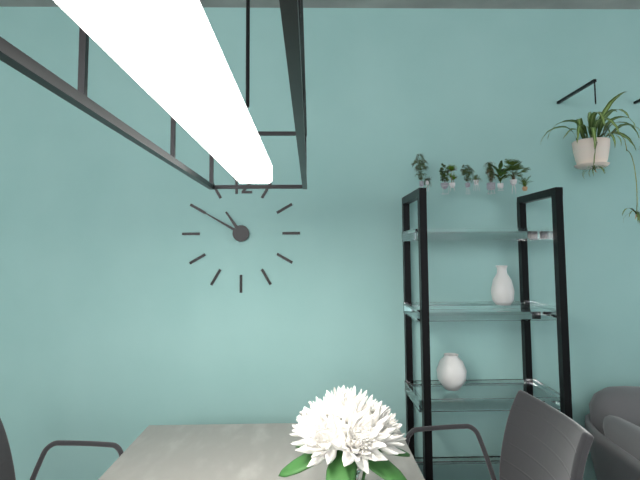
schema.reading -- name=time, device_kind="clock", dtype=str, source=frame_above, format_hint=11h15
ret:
10h50
